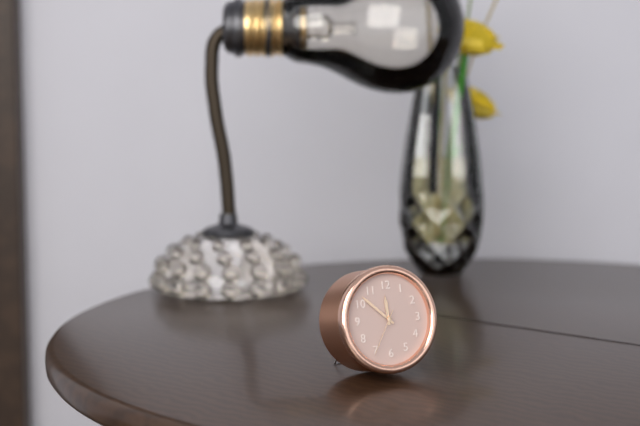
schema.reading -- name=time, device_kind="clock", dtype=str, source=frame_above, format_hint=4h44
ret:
11h52
